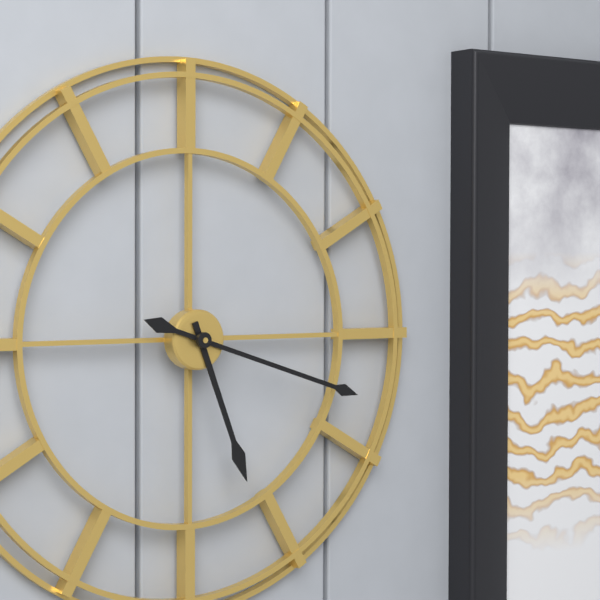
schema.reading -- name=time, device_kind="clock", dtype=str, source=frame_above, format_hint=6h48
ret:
5h18
